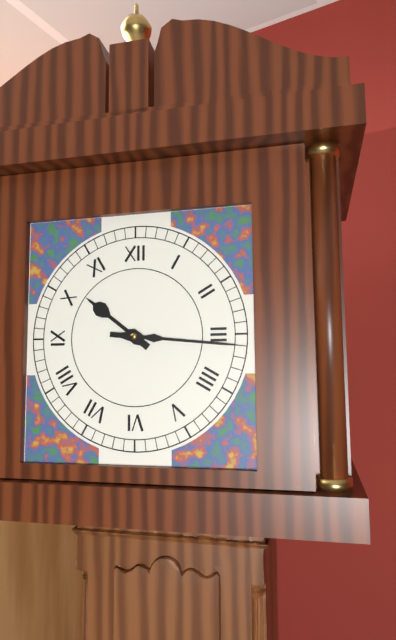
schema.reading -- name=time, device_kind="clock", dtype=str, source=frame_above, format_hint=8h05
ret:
10h16
